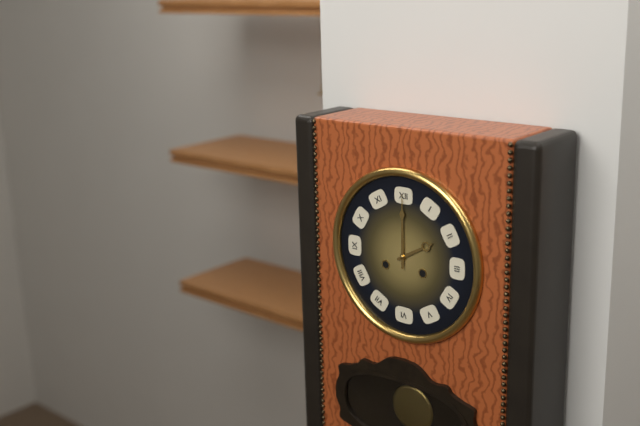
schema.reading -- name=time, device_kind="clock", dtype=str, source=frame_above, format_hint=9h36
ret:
2h00
